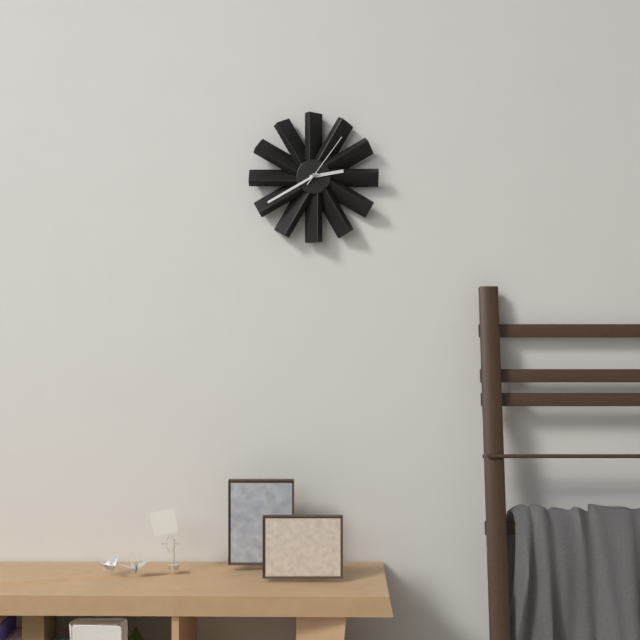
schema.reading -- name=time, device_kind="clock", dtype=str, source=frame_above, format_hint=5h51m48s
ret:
2h40m06s
